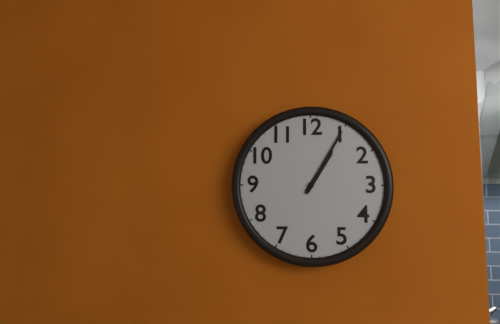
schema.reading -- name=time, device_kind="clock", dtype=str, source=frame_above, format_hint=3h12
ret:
1h05
